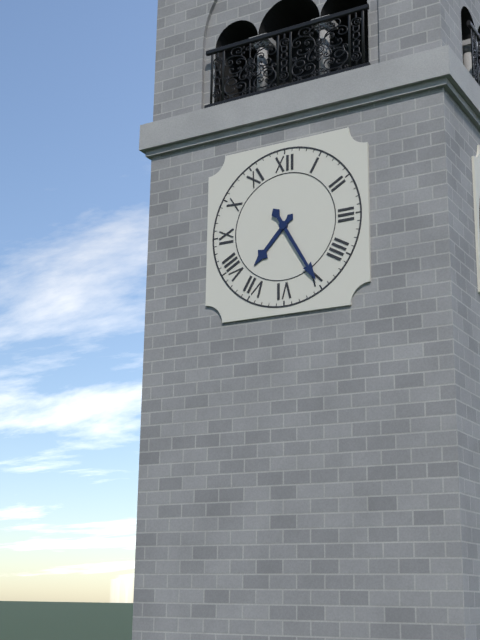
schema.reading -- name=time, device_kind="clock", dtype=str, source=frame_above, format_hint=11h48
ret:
7h25
